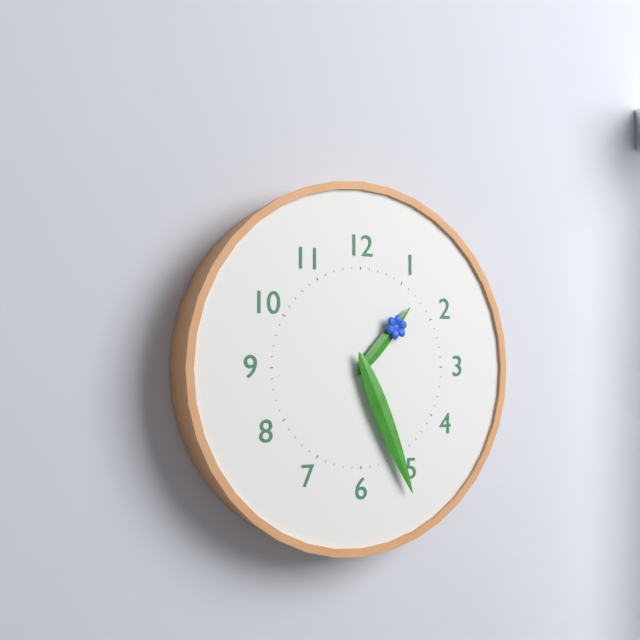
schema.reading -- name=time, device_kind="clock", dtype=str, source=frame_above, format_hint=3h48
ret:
1h26
